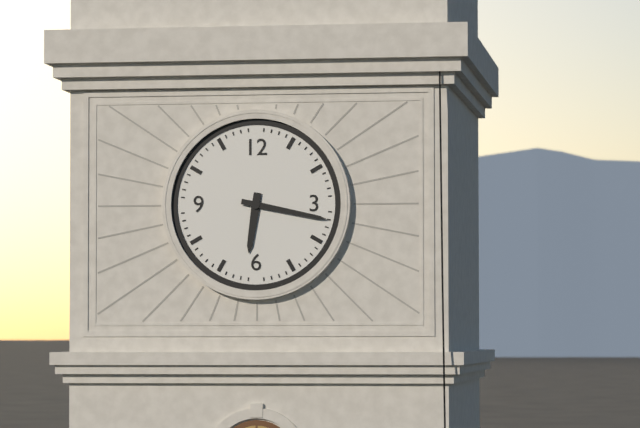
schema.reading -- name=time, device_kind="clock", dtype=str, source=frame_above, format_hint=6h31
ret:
6h17
